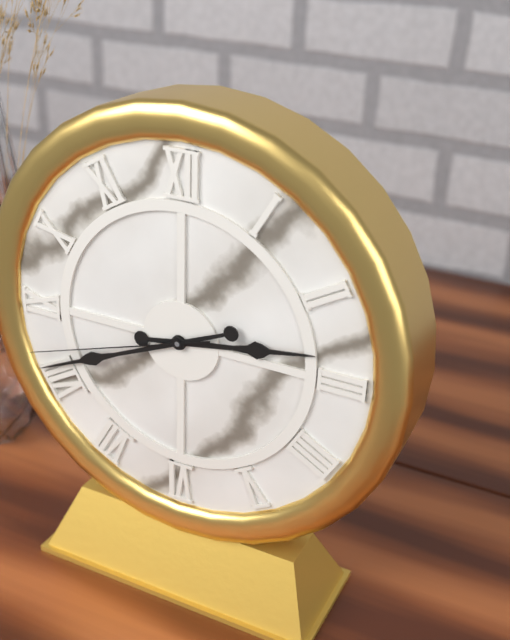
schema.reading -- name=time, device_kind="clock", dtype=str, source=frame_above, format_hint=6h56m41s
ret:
2h41m42s
